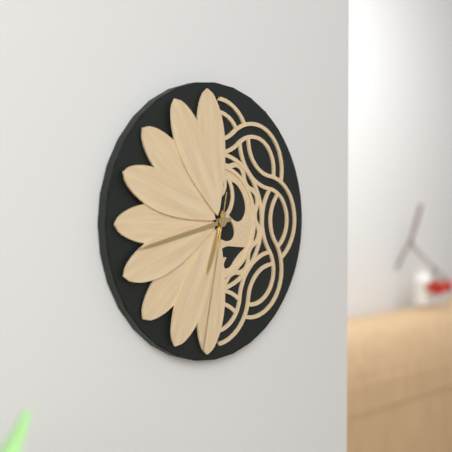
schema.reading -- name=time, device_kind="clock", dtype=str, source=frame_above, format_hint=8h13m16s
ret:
6h43m32s
